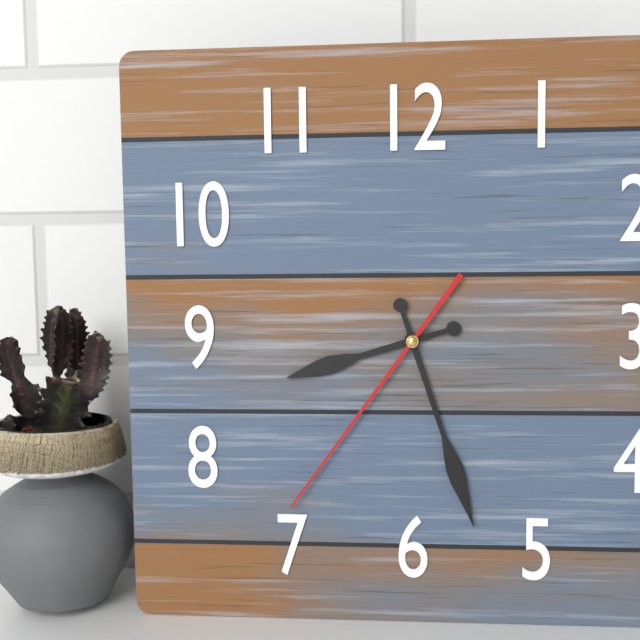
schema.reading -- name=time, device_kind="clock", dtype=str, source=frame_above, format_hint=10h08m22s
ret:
8h27m36s
